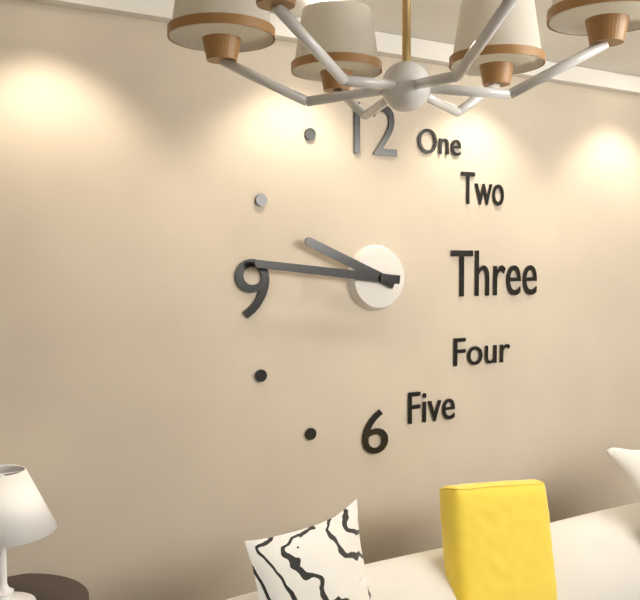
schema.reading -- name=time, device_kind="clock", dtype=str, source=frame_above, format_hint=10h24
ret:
9h46
